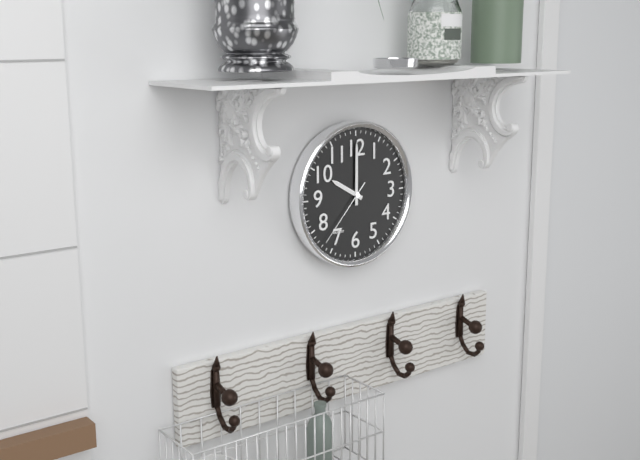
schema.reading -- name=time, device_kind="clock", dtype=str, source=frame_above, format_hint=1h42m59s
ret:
10h00m37s
